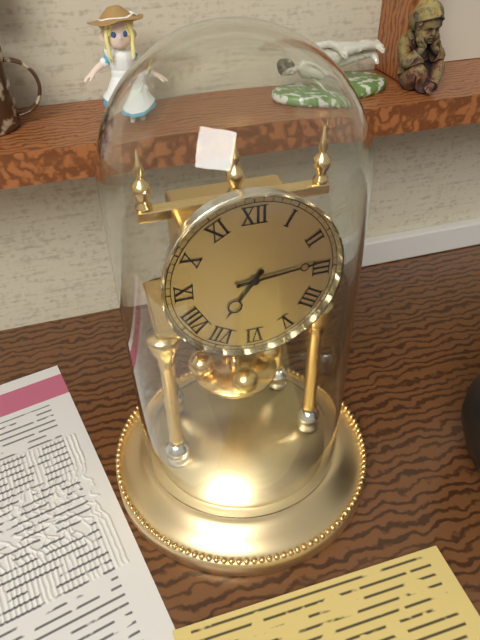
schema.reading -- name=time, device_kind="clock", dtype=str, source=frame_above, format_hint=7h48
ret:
7h14
